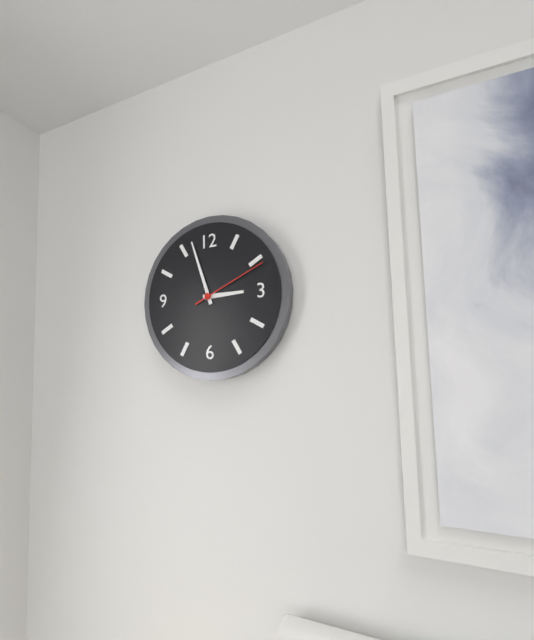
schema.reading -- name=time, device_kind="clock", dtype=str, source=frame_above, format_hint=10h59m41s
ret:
2h57m11s
